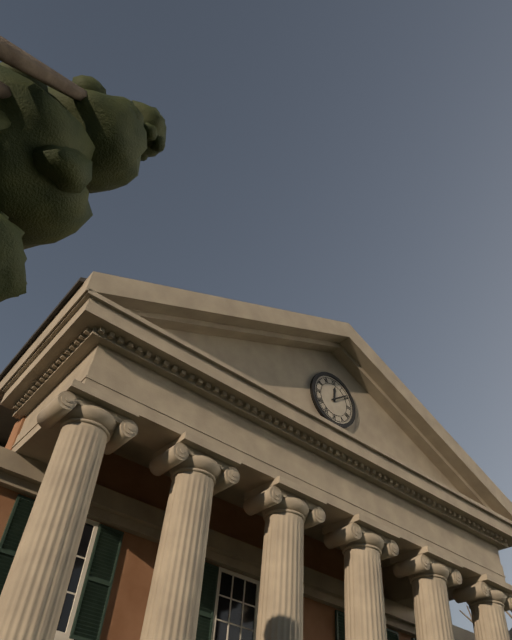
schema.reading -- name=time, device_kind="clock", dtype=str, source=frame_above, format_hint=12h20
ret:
12h09
